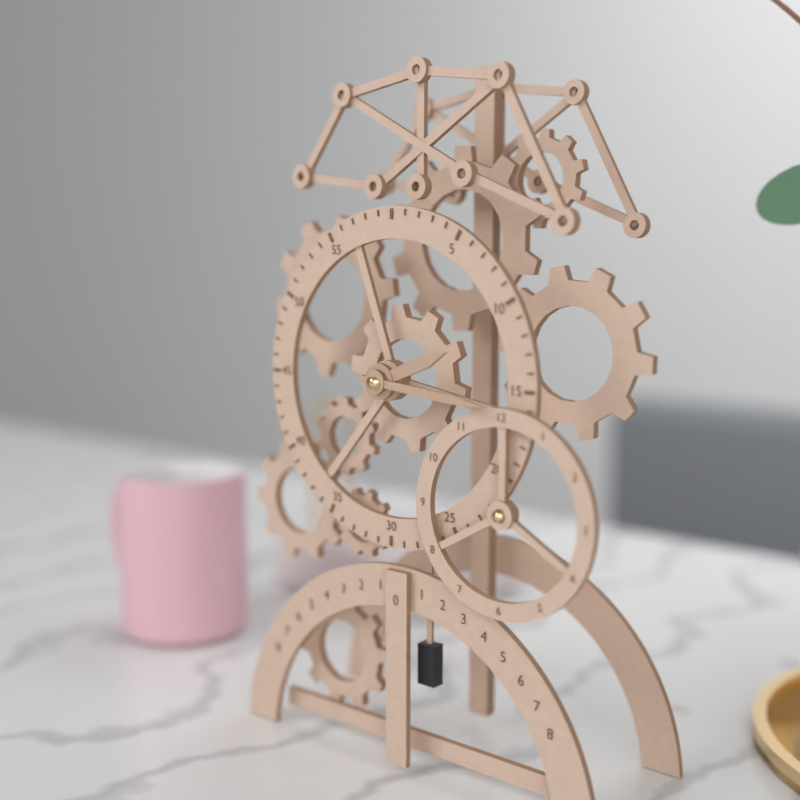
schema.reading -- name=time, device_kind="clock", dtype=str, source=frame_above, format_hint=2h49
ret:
2h16
